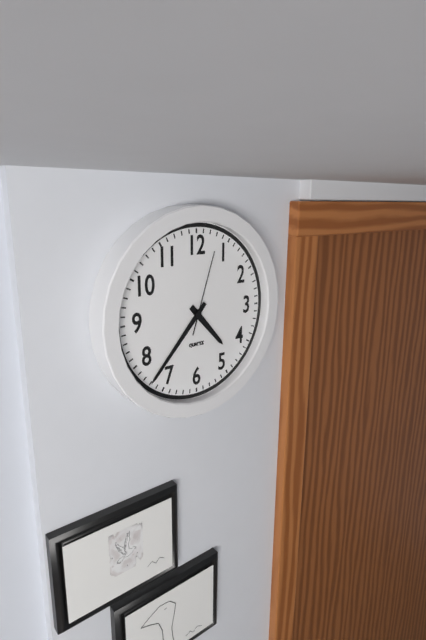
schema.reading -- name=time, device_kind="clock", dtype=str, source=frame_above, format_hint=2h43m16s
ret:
4h37m03s
